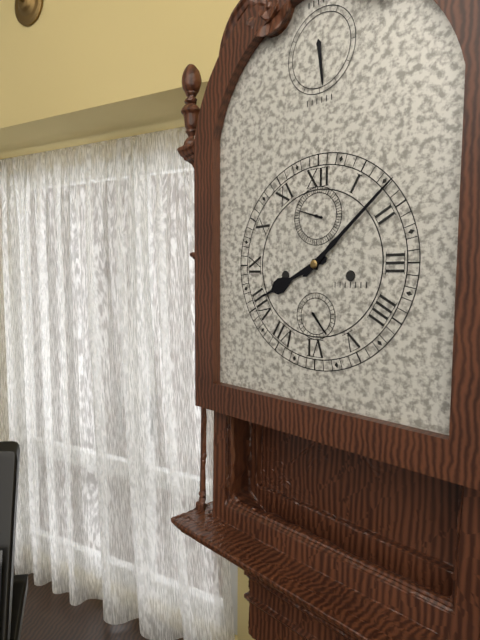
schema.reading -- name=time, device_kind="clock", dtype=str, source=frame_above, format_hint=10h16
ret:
8h08
